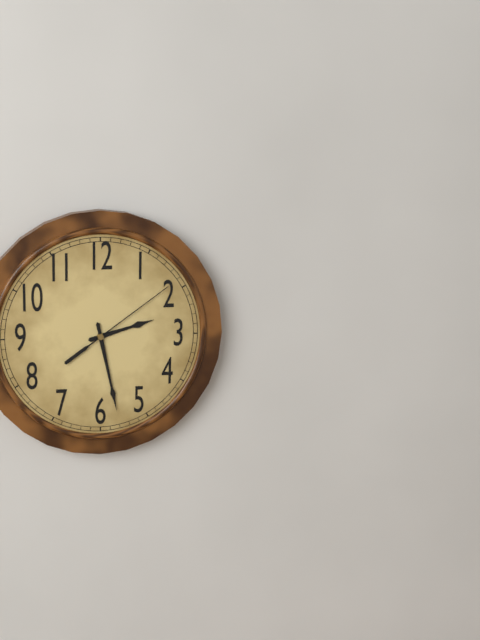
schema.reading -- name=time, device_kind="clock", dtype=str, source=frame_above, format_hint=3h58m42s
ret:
2h28m09s
